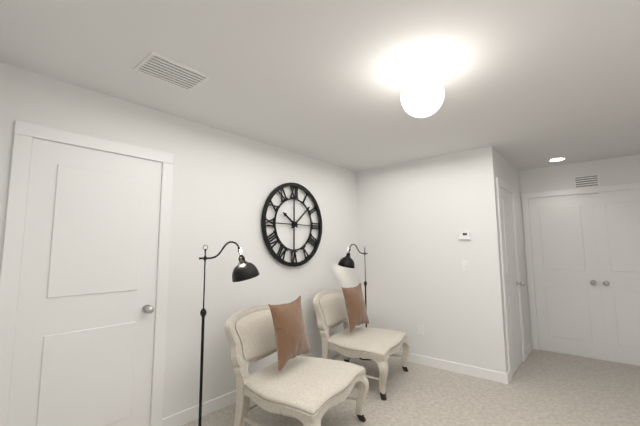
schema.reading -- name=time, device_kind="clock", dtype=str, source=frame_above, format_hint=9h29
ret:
10h08
